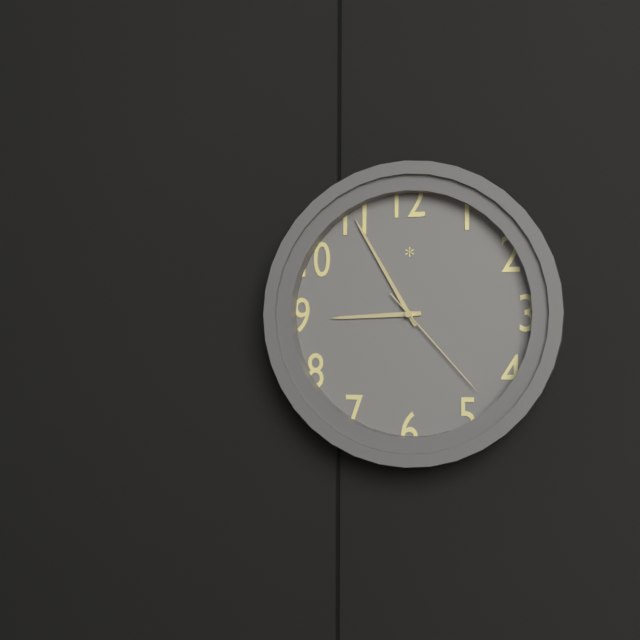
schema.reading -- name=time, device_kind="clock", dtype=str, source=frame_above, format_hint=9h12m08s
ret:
8h55m23s
